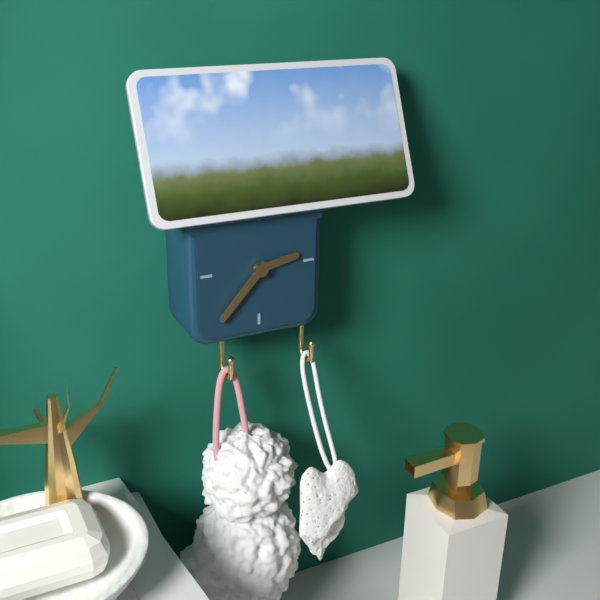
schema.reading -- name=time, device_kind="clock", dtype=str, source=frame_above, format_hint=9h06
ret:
2h37
